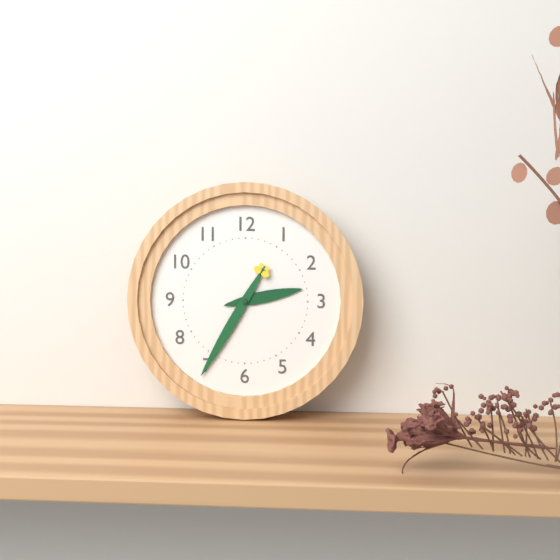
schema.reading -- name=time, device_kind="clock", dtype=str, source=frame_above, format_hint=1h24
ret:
2h35
